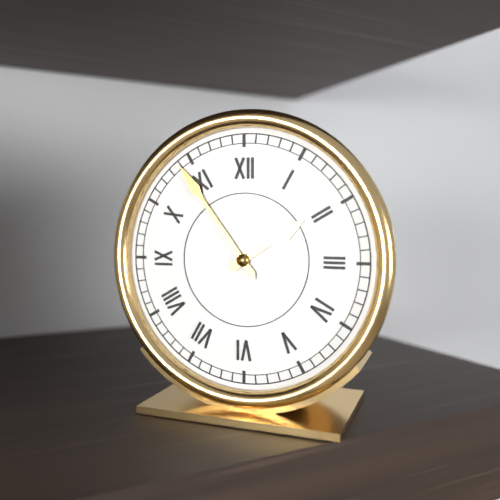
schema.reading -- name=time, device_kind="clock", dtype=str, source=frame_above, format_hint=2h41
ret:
1h54
